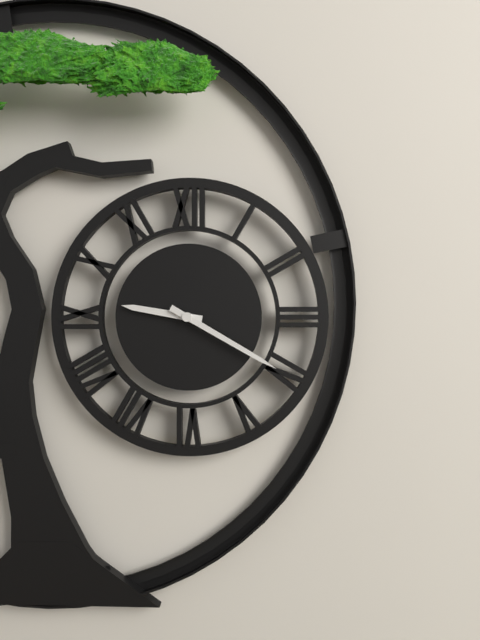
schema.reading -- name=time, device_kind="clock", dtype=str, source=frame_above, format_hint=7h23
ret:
9h20
